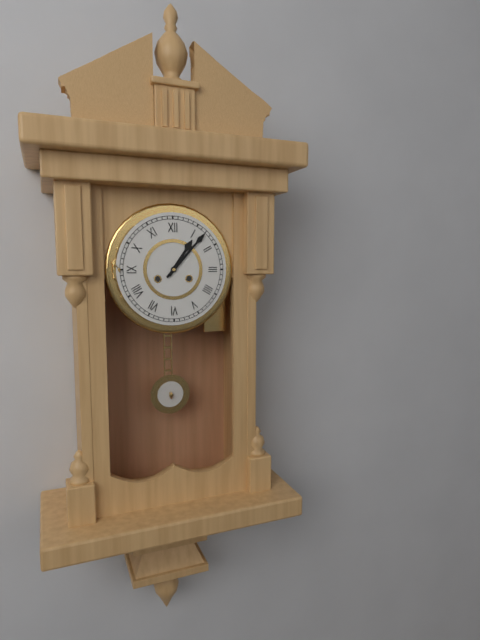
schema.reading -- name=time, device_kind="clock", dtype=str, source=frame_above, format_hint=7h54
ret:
1h07
